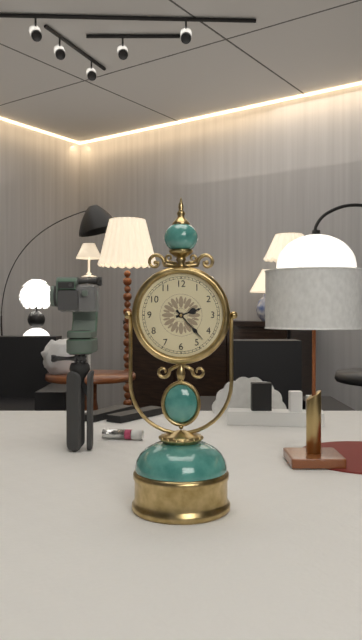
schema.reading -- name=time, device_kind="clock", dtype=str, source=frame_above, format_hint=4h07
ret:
2h23
